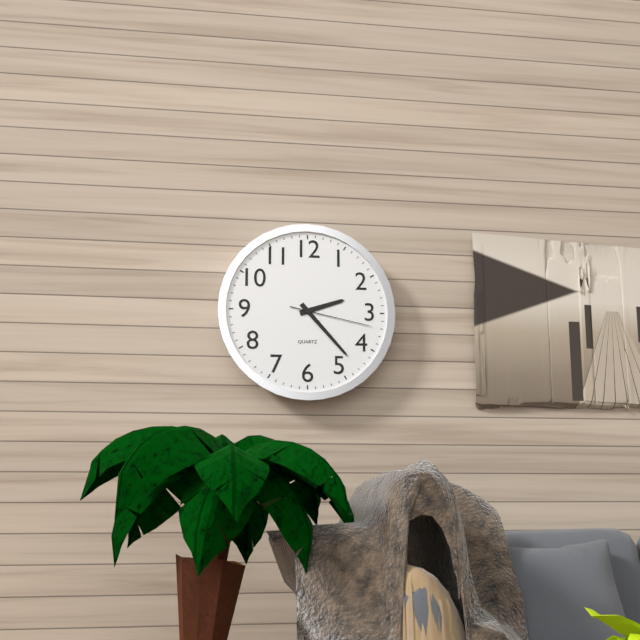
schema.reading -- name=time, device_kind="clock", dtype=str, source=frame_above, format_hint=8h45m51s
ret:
2h23m17s
